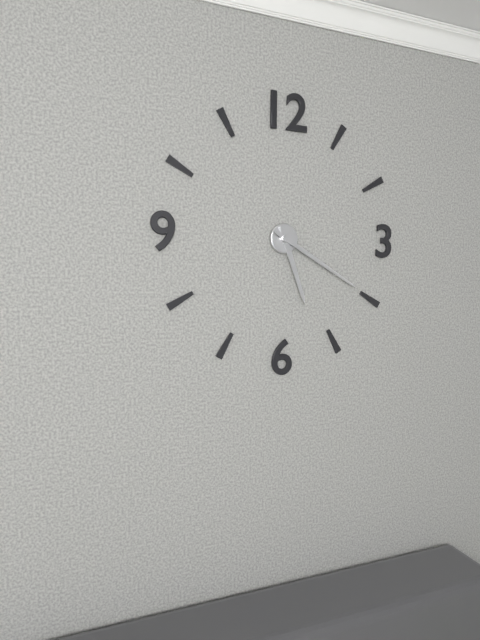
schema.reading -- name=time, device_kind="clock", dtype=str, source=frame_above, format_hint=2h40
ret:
5h20
